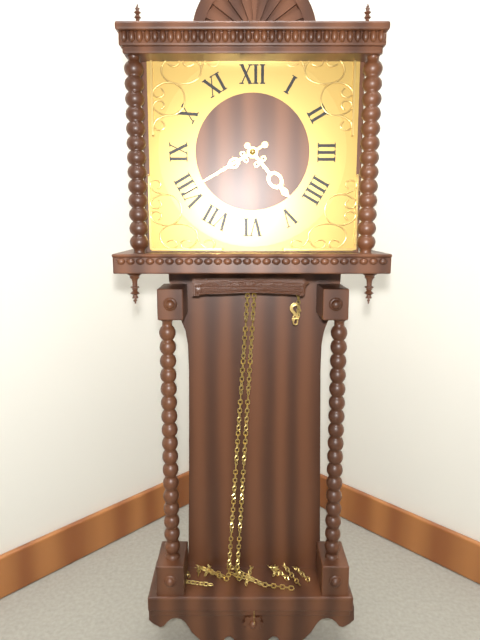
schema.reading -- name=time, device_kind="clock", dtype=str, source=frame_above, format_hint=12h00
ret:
4h40
